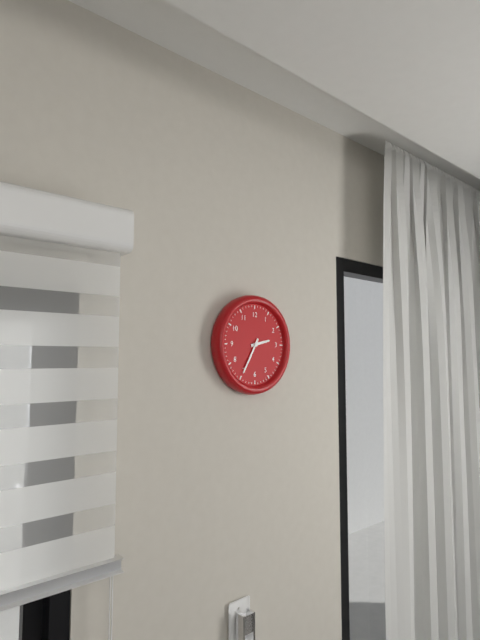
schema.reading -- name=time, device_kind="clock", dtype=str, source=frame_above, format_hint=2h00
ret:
2h35
